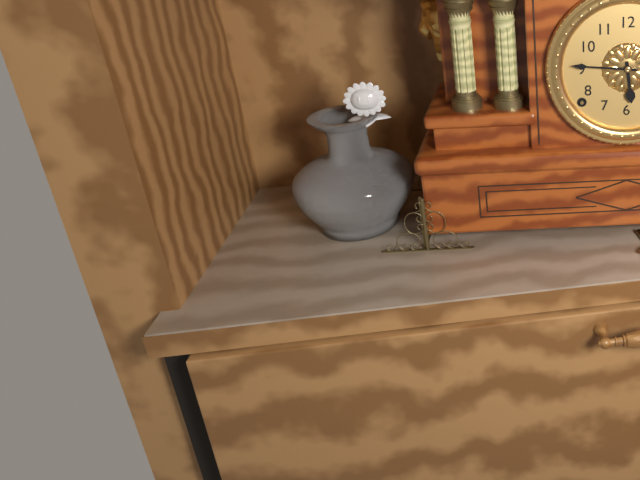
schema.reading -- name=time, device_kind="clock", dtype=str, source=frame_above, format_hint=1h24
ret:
5h46
